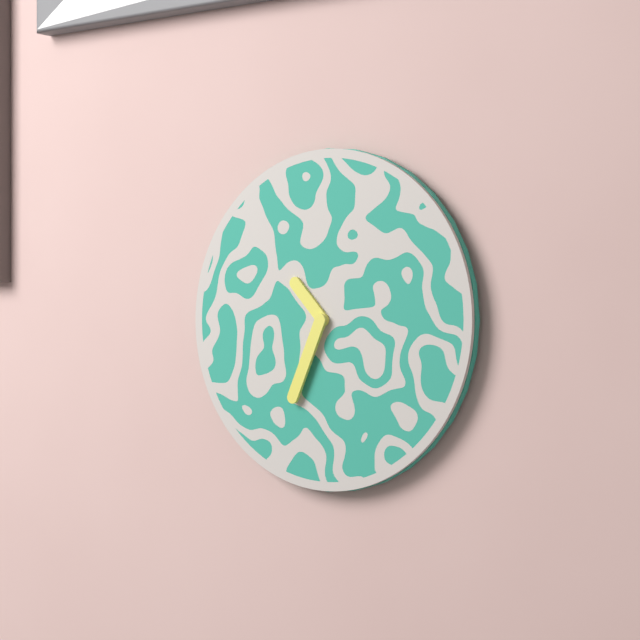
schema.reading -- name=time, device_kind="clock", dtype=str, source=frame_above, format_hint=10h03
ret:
10h34
